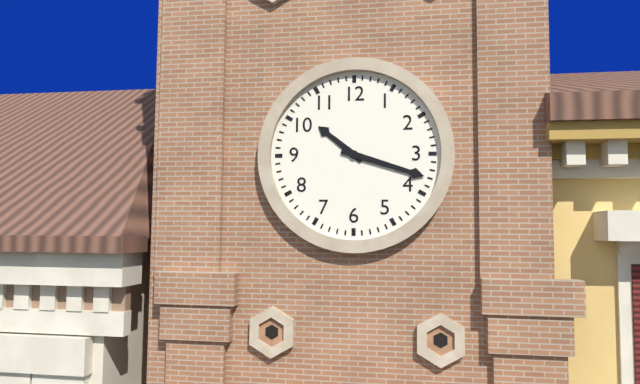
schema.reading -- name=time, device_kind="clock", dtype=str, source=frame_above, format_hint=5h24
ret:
10h18
